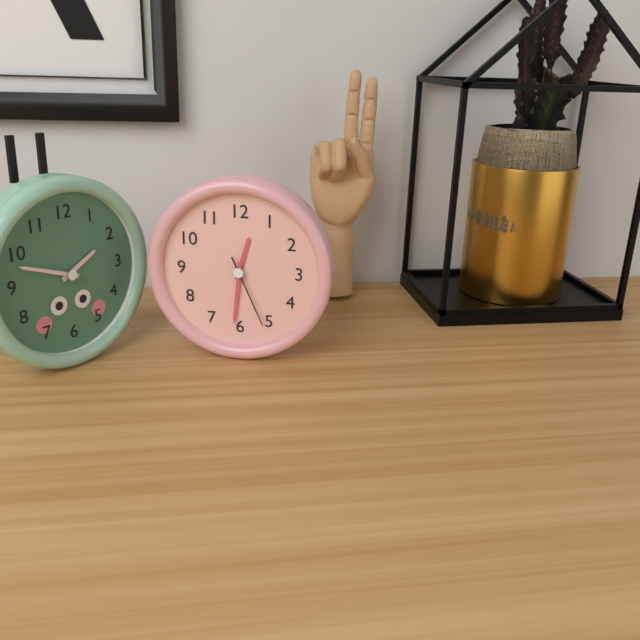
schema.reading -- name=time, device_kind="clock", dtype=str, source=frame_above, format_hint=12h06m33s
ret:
12h31m26s
